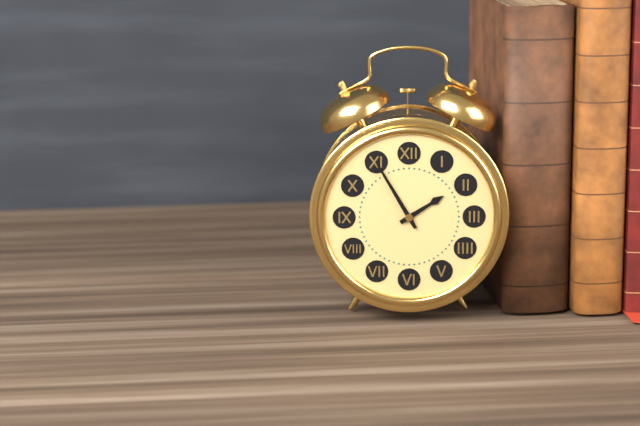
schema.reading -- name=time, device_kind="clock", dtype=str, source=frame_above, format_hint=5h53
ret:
1h55
